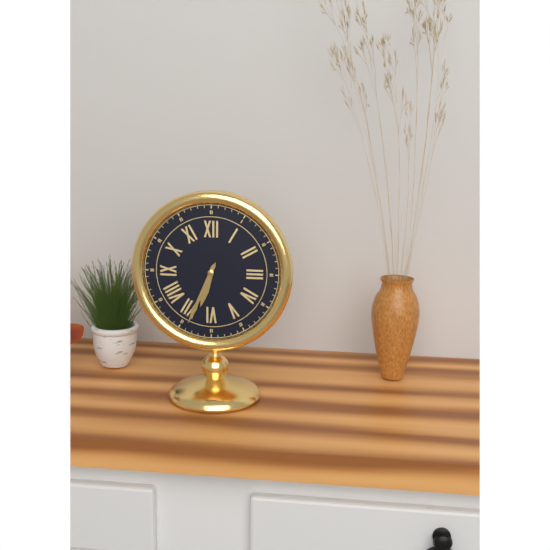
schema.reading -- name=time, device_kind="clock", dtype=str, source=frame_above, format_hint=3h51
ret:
6h34
